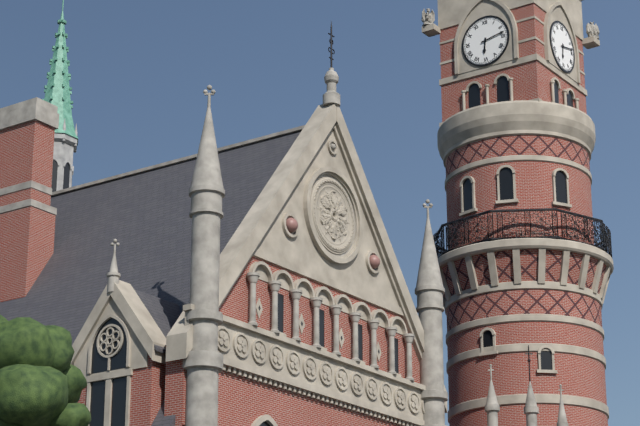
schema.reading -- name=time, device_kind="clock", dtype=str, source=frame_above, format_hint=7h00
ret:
6h13
